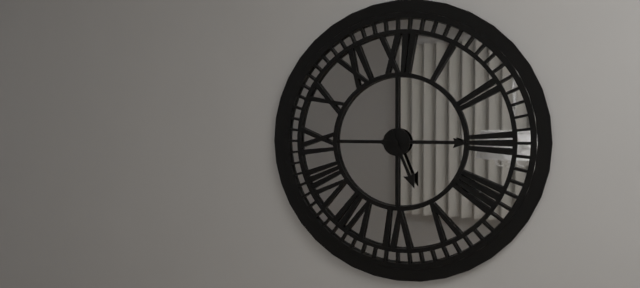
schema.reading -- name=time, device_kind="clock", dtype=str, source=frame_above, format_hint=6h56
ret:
5h15
